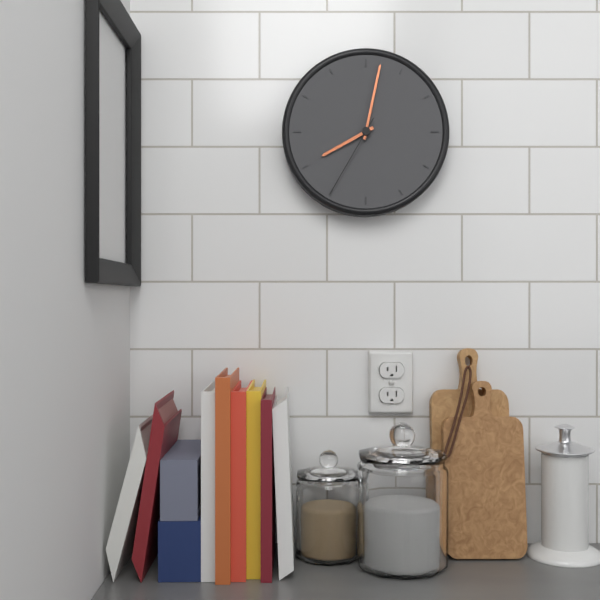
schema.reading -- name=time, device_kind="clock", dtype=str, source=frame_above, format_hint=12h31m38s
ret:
8h02m35s
